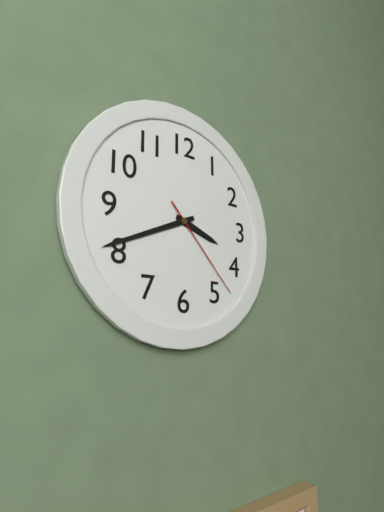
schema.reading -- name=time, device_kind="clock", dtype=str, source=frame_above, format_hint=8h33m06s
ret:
3h41m23s
